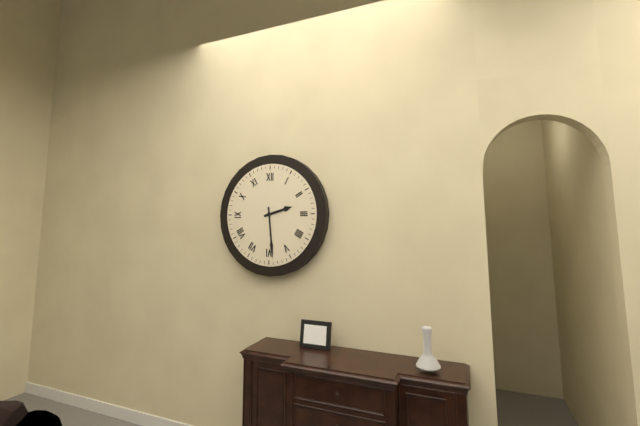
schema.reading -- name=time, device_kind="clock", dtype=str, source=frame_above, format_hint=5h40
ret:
2h29
